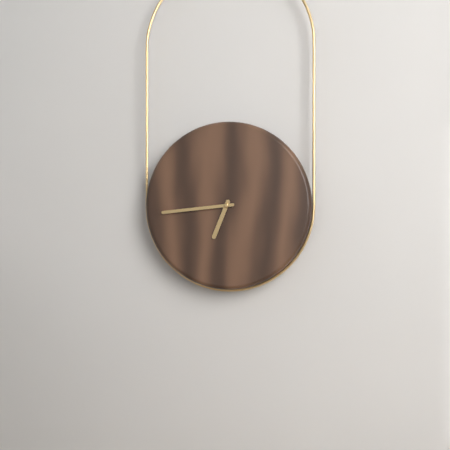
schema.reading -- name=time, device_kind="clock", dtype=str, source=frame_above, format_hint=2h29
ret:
6h44
